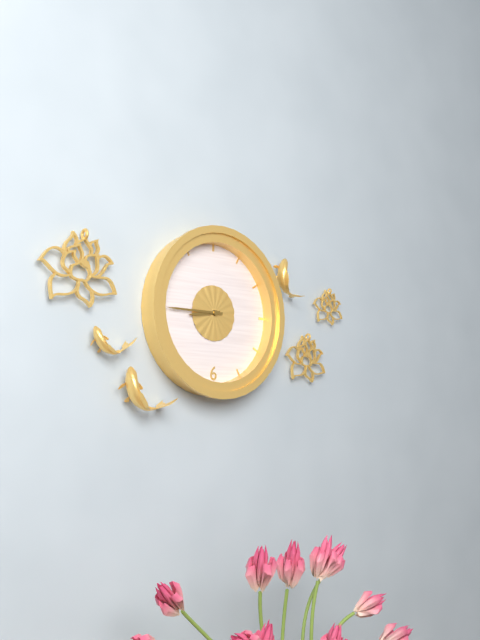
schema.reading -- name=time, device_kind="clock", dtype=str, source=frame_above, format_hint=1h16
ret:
8h45
